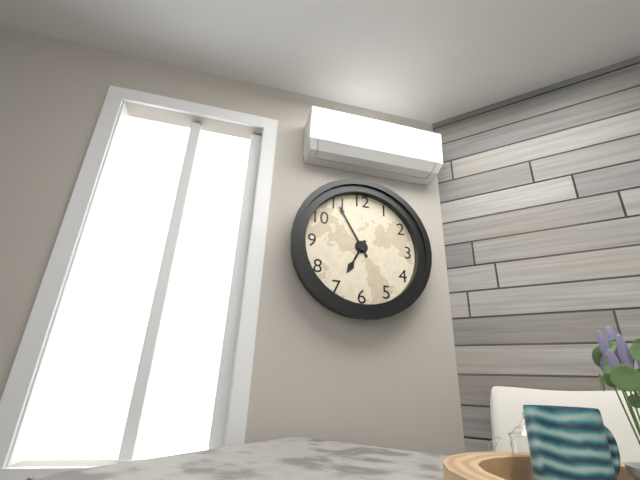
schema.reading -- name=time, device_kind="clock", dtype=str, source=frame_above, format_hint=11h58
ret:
6h55
